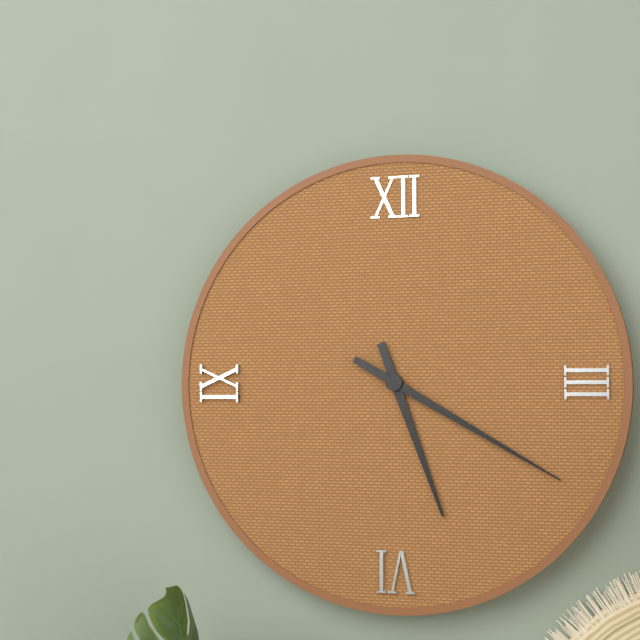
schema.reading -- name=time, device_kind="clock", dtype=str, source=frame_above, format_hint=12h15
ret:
5h20
